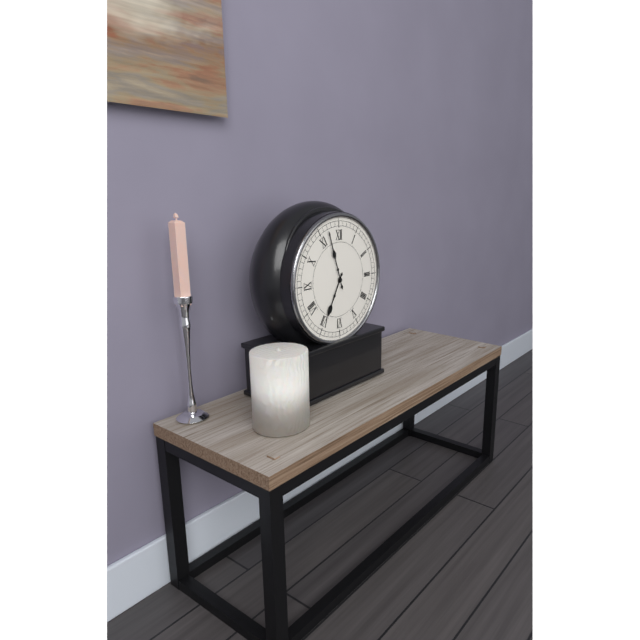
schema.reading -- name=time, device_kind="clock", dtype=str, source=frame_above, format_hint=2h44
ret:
6h57
